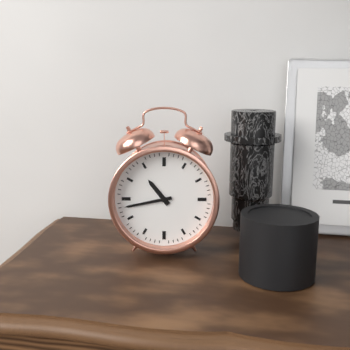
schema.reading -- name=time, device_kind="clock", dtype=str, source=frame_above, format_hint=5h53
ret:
10h43
